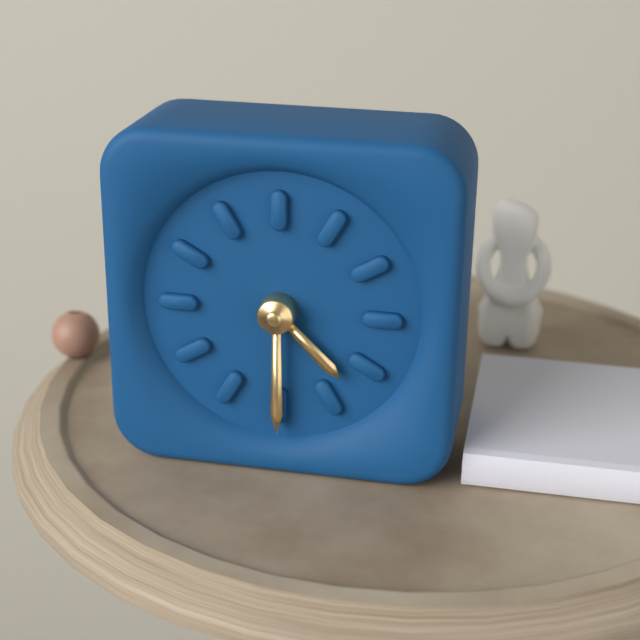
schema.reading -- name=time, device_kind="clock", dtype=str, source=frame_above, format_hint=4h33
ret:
4h30
